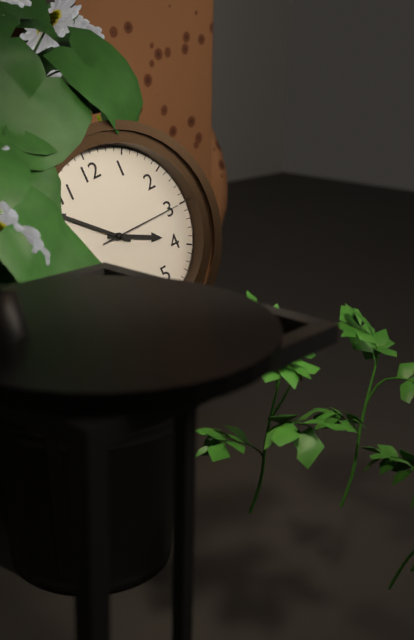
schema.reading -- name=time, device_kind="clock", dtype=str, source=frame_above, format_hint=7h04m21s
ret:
3h52m15s
